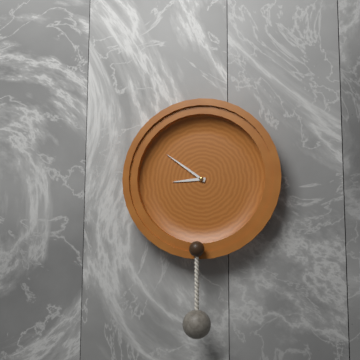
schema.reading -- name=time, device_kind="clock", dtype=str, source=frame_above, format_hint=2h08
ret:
8h51
